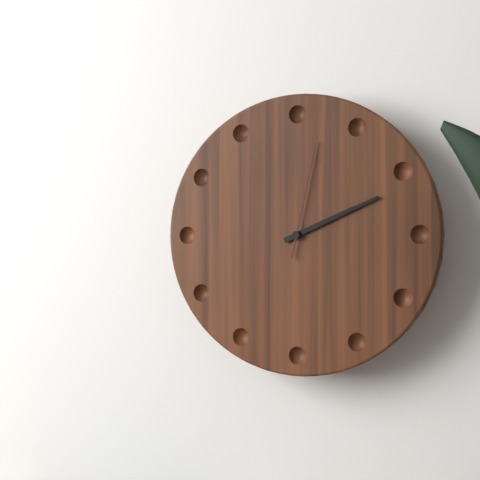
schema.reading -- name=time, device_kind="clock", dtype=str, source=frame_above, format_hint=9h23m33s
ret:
2h11m02s
